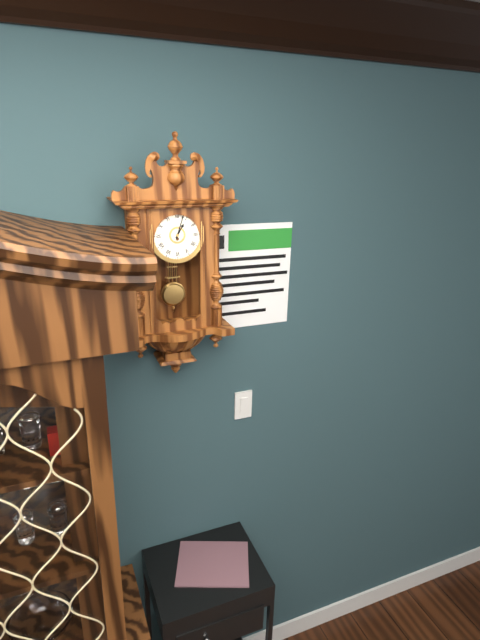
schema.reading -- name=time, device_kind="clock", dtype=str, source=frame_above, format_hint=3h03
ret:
1h03
